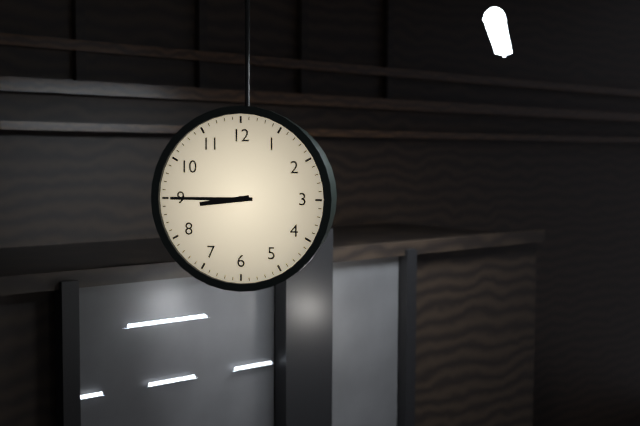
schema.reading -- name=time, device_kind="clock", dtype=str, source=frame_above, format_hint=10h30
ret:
8h45
